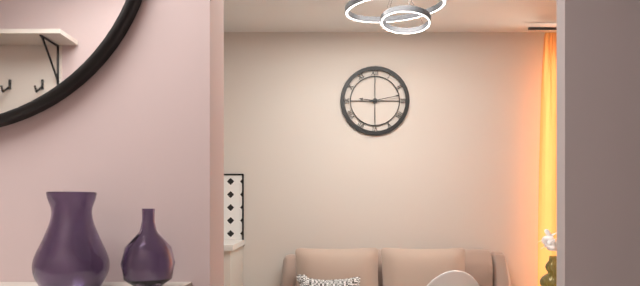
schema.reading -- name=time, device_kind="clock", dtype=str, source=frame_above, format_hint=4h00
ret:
9h13
